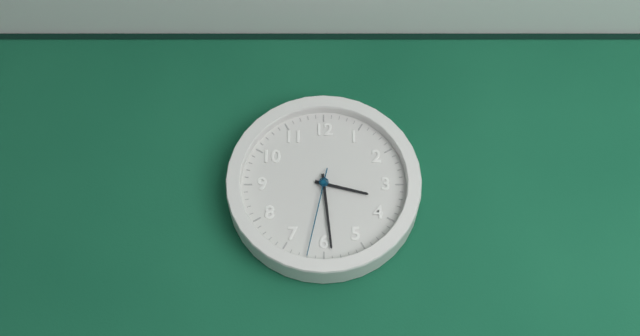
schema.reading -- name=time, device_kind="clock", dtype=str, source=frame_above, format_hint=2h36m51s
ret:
3h29m32s
